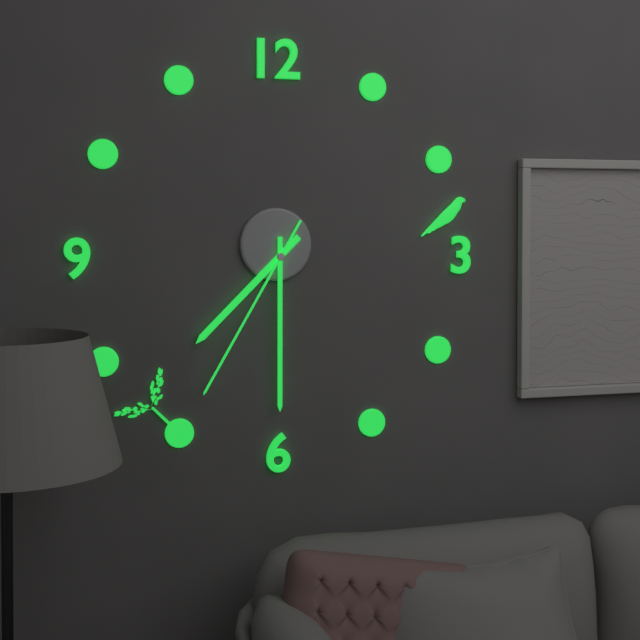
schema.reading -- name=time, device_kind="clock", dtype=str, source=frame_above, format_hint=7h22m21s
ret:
7h30m35s
